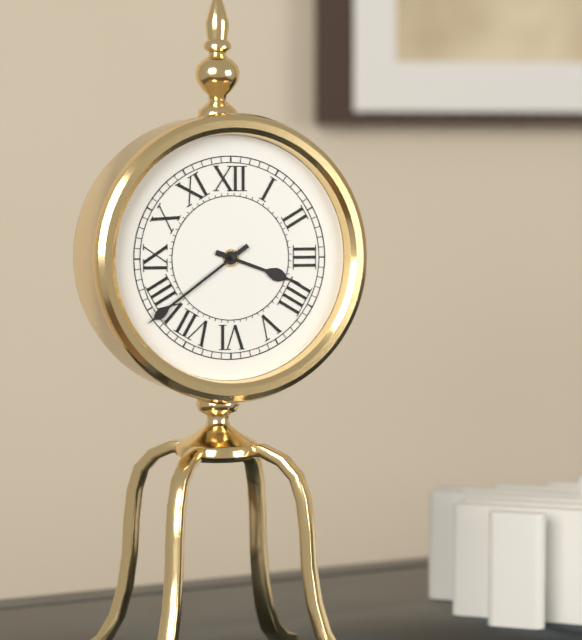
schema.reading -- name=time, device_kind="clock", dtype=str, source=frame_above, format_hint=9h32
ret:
3h39
